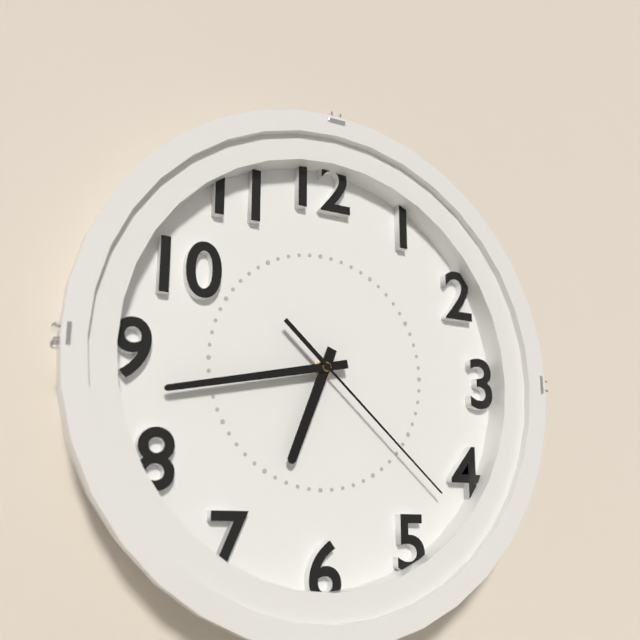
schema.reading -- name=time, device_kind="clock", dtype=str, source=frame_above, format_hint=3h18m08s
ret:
6h43m22s
